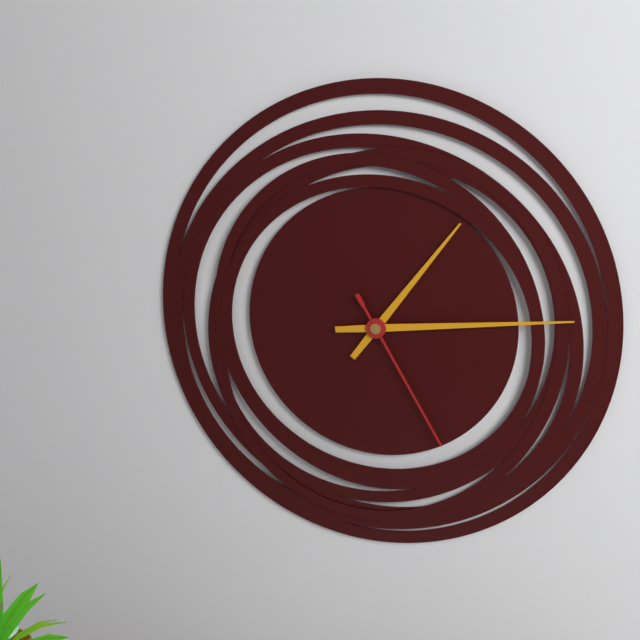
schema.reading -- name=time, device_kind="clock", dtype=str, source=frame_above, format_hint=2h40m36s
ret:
1h14m25s
